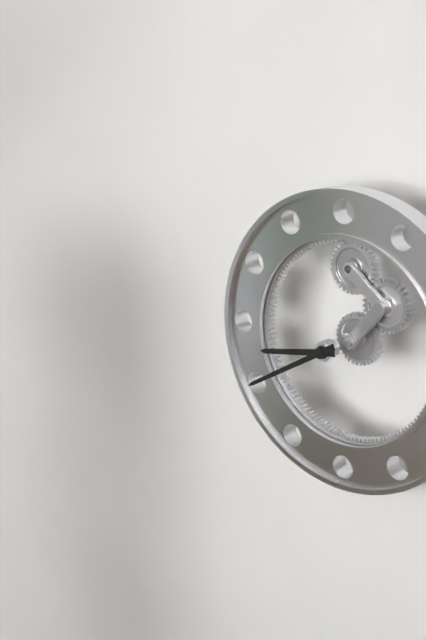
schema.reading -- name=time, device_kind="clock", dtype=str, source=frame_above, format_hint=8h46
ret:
8h40
